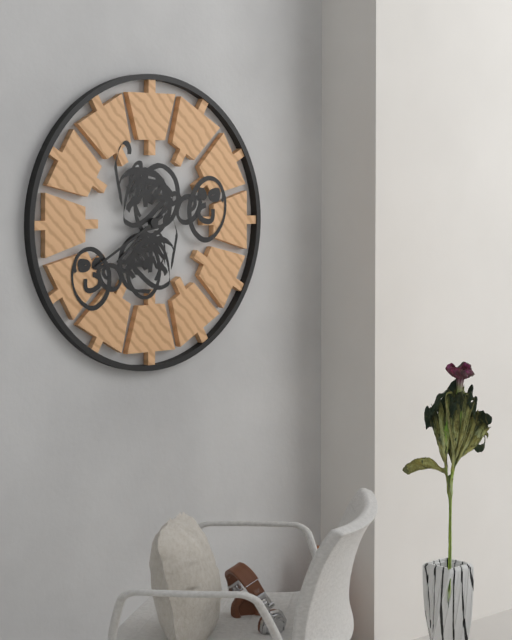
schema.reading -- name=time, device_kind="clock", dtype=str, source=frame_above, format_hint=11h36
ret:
7h40
